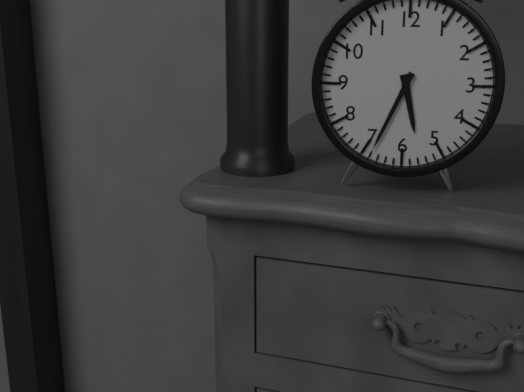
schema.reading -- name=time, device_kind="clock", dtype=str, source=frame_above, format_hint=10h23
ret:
5h34
